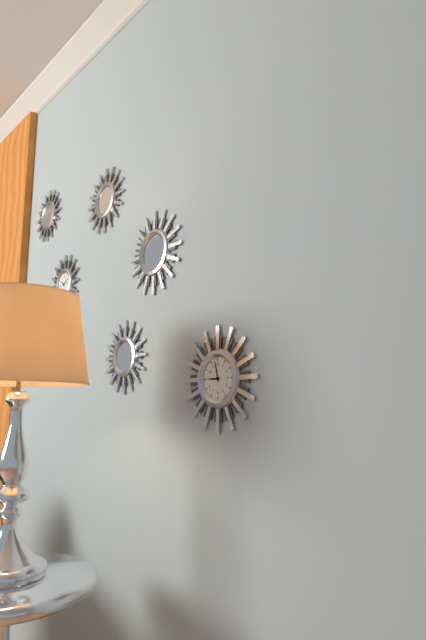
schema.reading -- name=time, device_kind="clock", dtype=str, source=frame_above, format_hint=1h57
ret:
8h58
